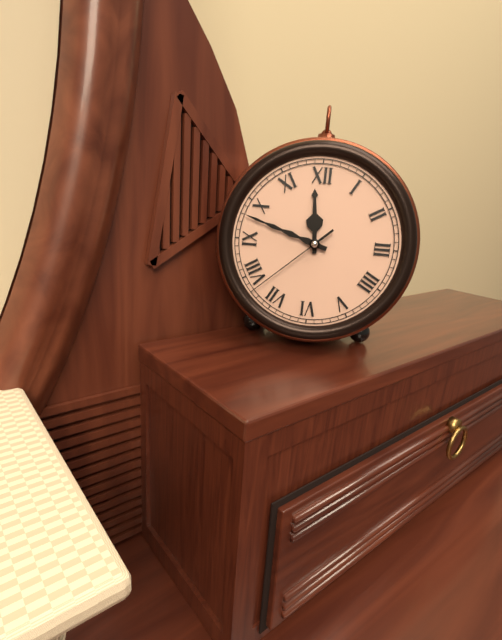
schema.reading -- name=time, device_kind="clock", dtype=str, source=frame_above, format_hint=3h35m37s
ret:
11h48m38s
